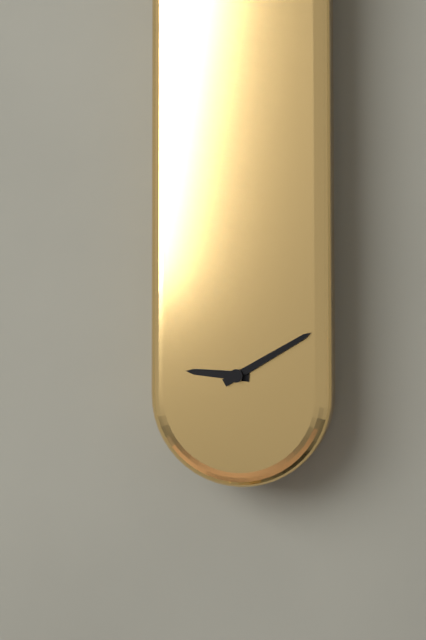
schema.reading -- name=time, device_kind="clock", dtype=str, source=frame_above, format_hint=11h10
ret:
9h10
